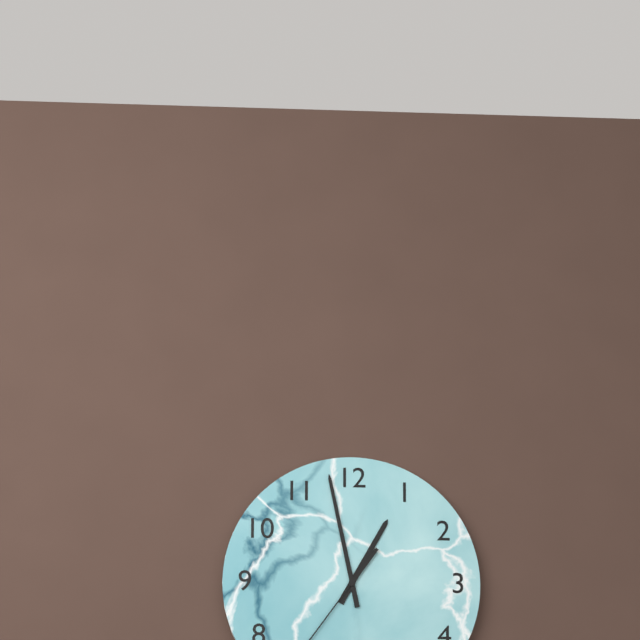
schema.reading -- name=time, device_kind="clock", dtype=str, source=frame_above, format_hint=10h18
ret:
12h58
